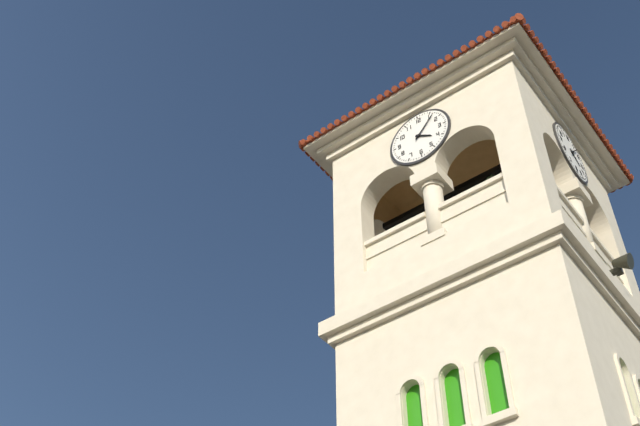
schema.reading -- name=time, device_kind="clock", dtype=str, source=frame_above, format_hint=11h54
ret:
4h07
